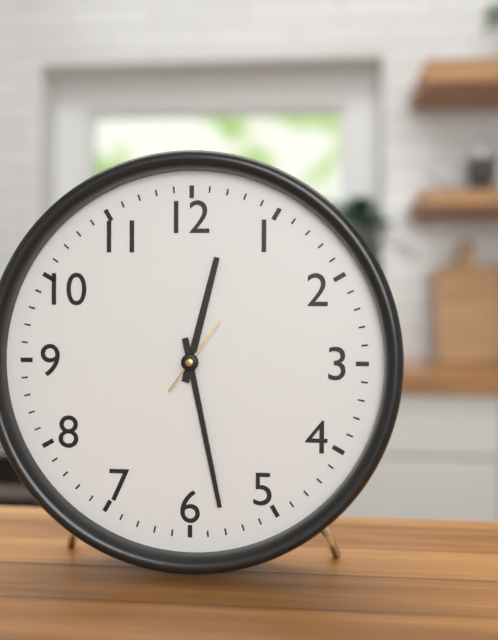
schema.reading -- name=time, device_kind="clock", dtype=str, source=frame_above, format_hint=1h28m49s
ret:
12h28m06s
